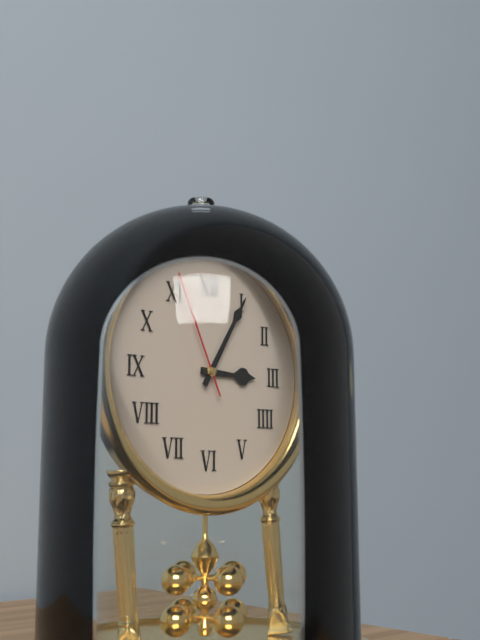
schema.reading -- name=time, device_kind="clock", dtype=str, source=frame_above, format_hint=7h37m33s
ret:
3h05m56s
